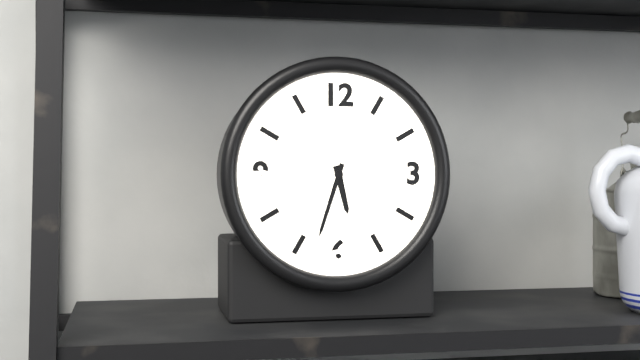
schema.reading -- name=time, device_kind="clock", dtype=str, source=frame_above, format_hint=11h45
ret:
5h33
